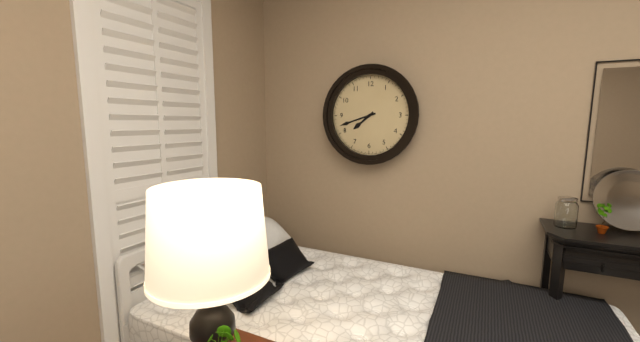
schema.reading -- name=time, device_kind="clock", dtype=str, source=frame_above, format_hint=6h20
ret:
7h42
